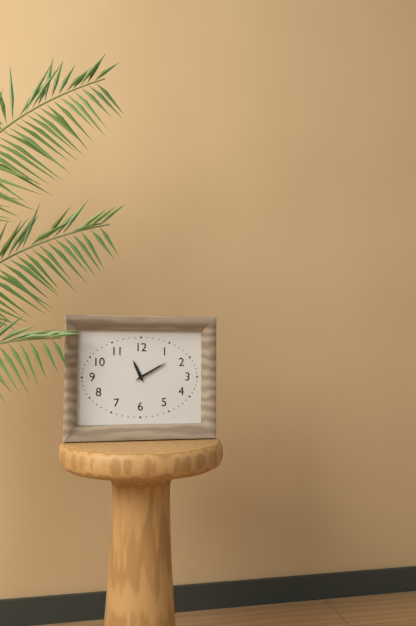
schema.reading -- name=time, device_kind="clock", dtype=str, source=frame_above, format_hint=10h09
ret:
11h10
